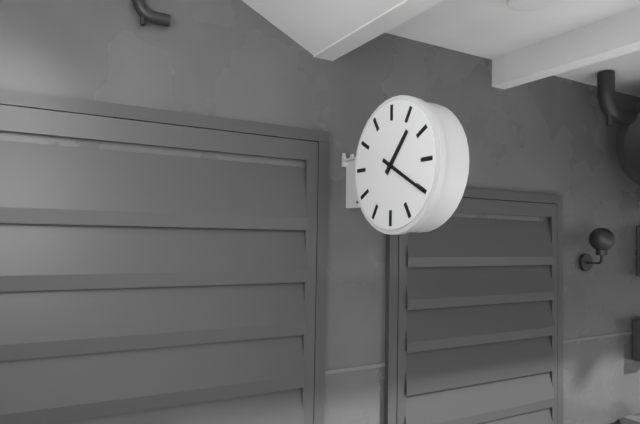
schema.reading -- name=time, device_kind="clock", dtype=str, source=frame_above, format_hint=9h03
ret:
1h20
